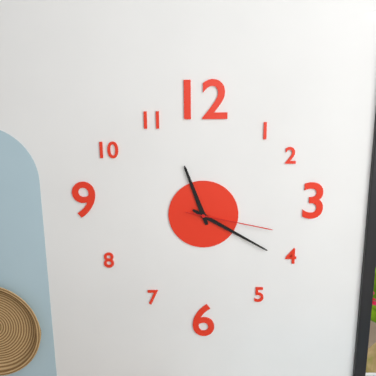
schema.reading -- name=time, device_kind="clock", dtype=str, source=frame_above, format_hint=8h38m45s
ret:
11h20m17s
